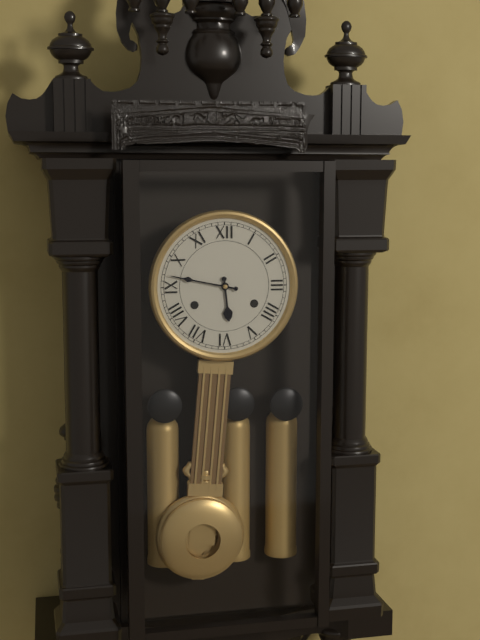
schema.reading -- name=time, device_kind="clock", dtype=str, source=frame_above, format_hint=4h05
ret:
5h47
